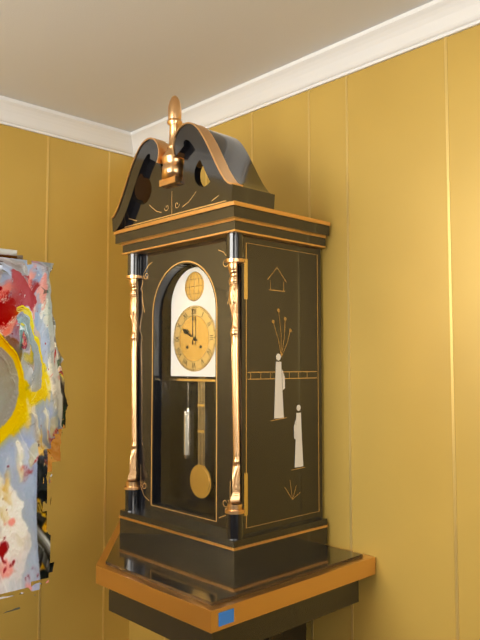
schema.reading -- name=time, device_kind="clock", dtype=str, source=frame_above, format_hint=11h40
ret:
10h00
